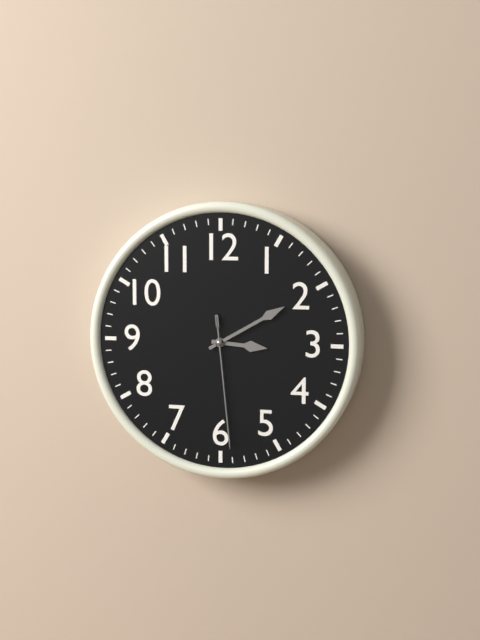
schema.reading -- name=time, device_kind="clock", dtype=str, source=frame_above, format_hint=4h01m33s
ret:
3h10m29s
